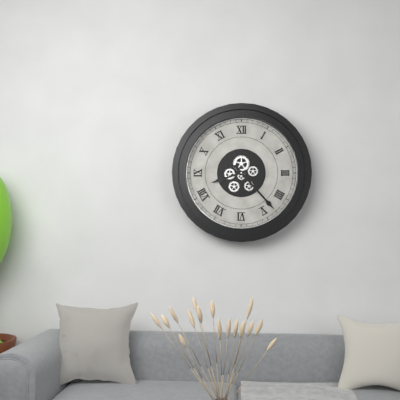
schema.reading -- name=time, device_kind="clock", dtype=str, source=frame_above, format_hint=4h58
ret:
8h23
